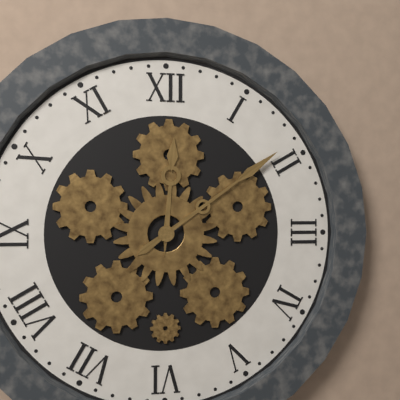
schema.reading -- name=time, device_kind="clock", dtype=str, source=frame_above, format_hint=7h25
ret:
12h09
